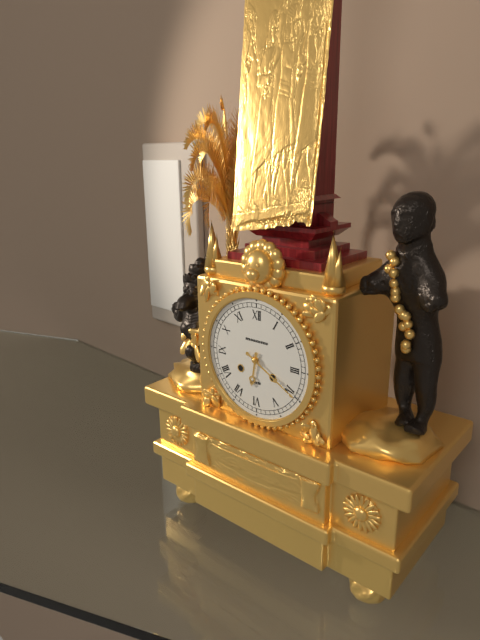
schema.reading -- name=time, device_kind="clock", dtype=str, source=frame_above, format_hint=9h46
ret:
6h20
